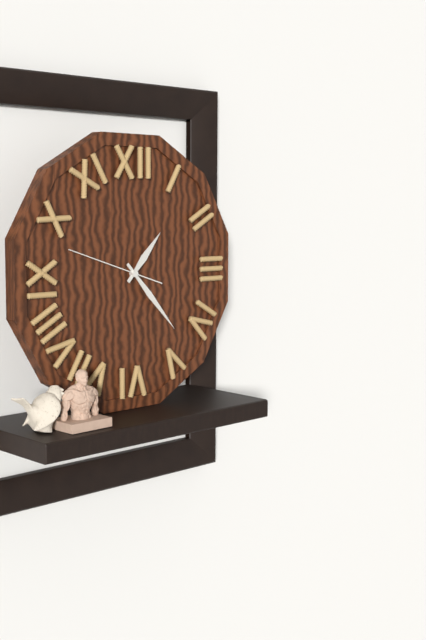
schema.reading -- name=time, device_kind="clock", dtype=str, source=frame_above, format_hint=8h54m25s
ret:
1h23m48s
